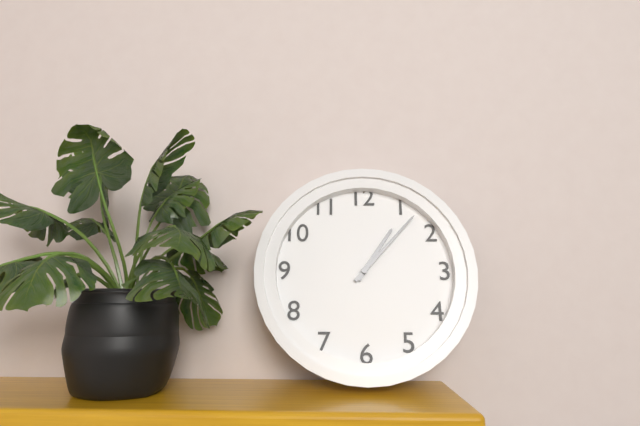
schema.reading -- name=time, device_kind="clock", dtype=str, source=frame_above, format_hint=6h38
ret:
1h07
